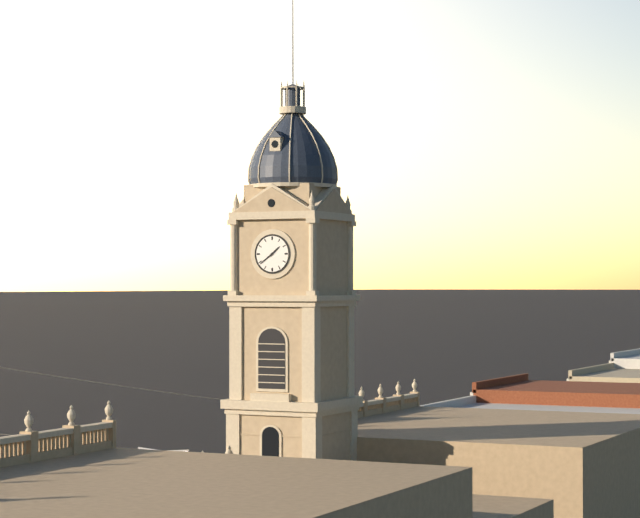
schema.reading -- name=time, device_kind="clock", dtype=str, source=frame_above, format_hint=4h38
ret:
1h39
